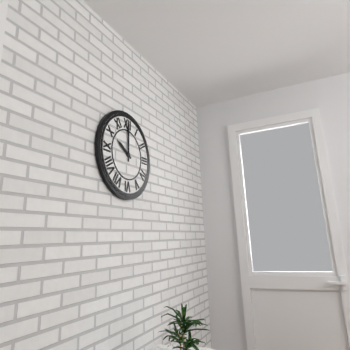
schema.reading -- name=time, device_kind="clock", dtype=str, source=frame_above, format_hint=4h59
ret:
10h00
